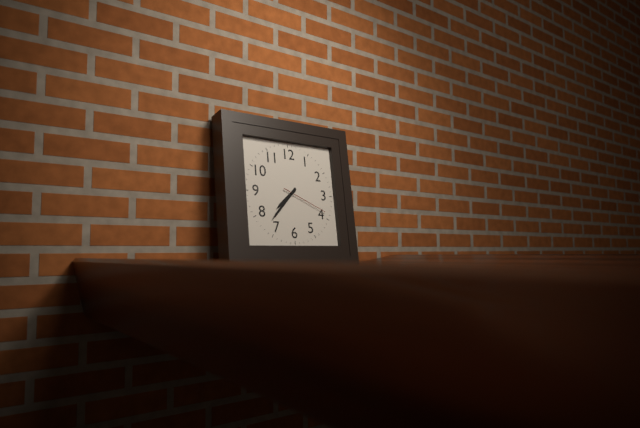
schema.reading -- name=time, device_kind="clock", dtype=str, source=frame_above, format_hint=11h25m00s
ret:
7h37m19s
